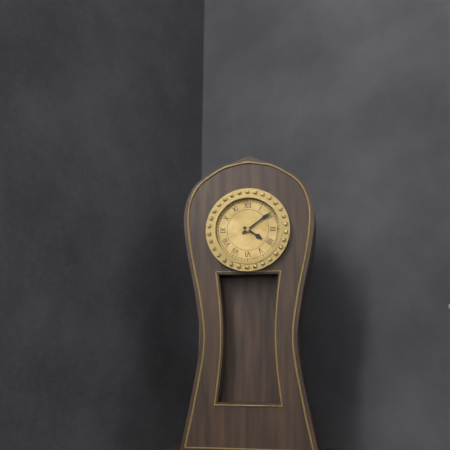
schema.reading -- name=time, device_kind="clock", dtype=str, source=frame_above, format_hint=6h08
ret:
4h09
